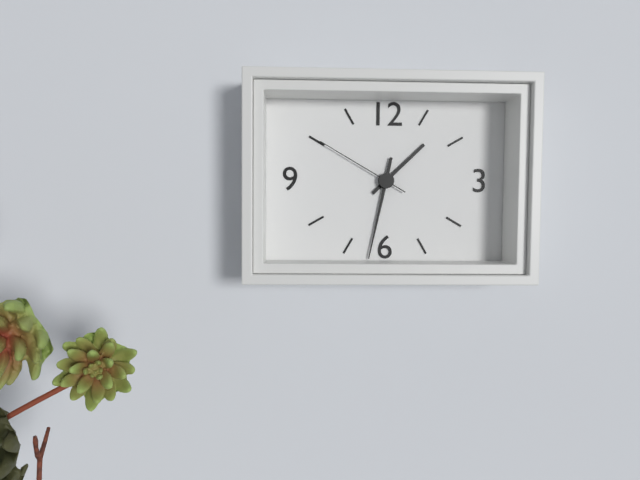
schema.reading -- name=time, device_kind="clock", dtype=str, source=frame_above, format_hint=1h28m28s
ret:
1h32m50s
